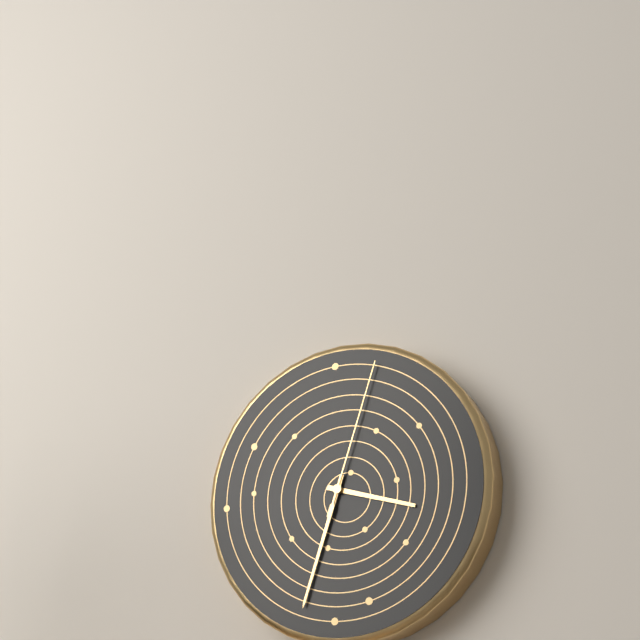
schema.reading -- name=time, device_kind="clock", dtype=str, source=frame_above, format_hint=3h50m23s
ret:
3h33m03s
